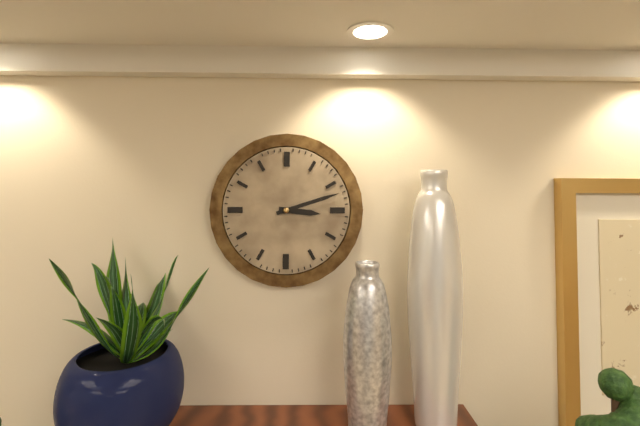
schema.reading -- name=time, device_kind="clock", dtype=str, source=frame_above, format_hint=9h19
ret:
3h12
